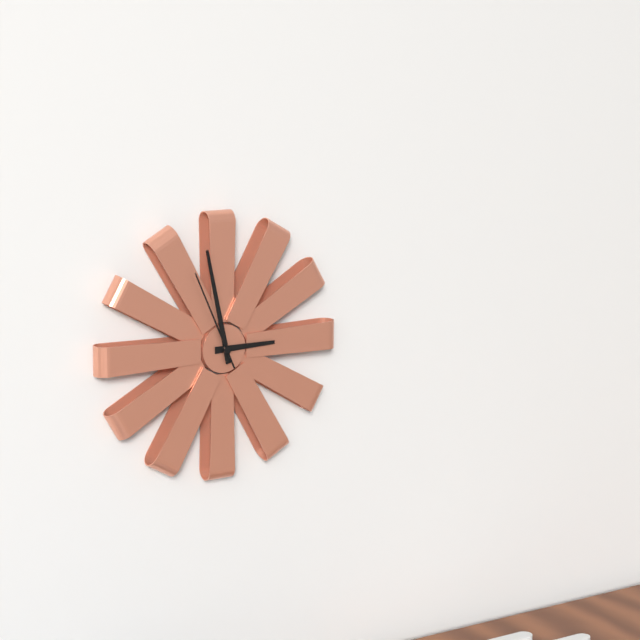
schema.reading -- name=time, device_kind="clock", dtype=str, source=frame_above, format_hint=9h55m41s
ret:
2h58m56s
